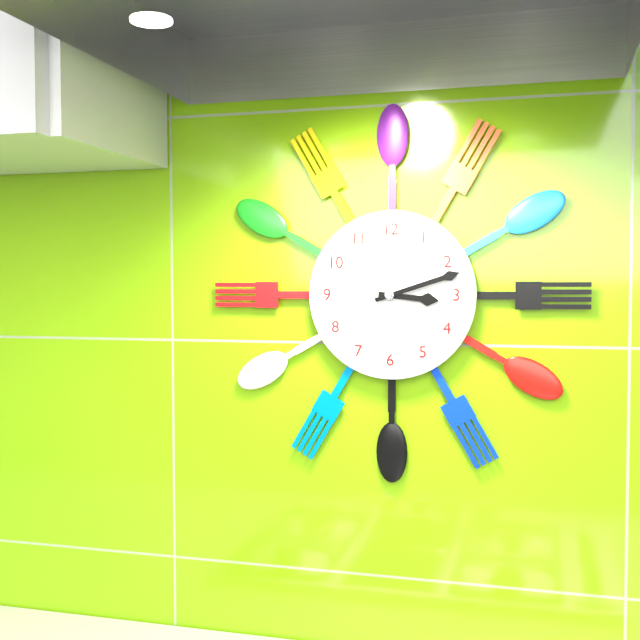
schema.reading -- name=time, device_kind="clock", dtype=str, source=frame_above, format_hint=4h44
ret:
3h12
